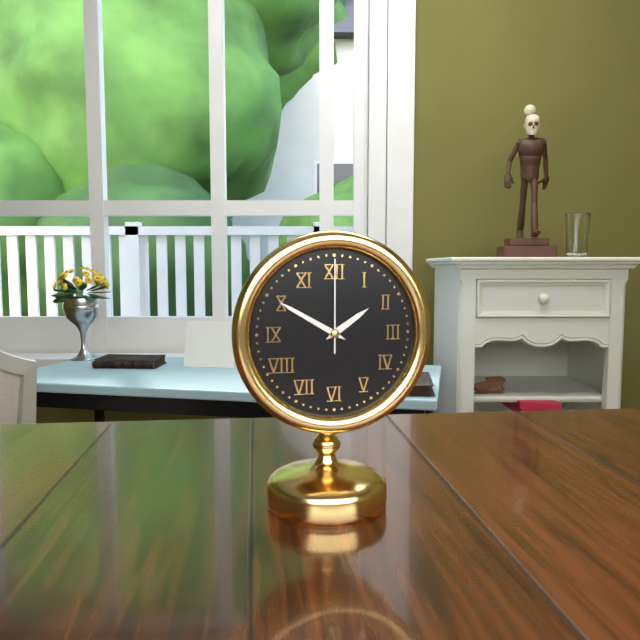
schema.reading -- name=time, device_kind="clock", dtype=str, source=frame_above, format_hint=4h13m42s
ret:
1h50m00s
